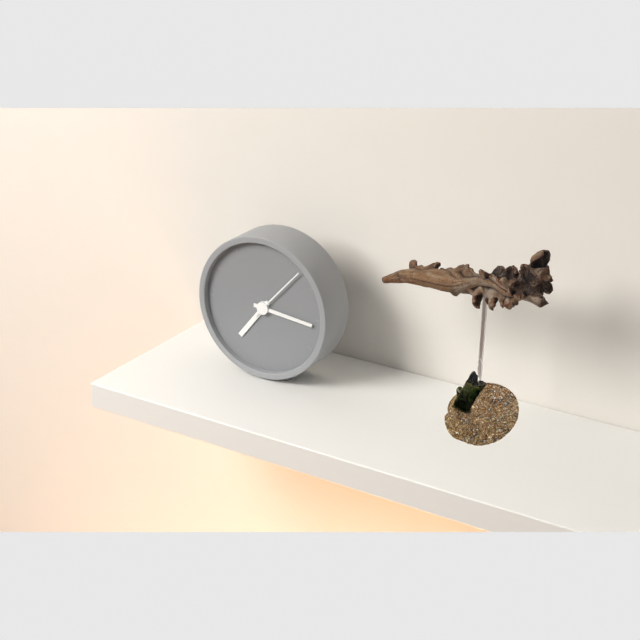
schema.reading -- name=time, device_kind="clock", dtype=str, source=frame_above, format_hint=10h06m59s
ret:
7h16m07s
